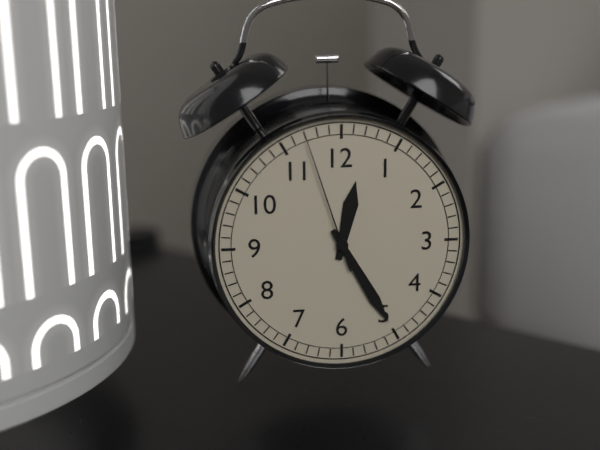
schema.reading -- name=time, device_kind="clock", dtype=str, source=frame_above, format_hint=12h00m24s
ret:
12h25m57s
